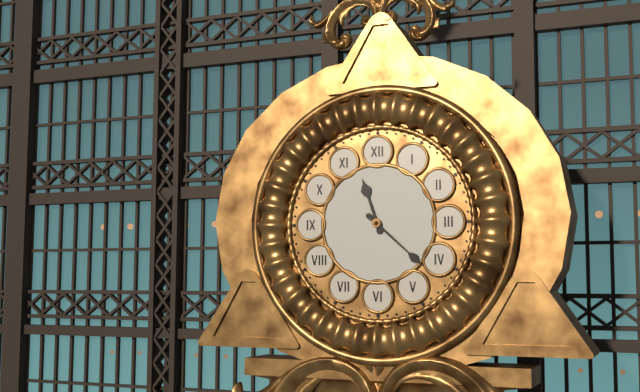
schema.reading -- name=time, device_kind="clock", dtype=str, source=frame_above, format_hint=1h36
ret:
11h22
